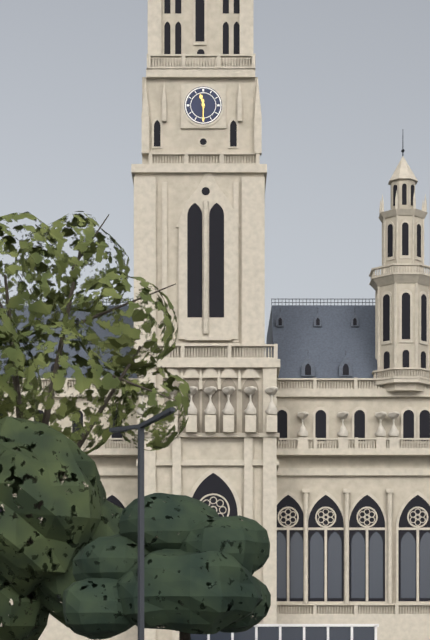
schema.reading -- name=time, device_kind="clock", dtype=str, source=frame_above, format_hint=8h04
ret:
11h30
